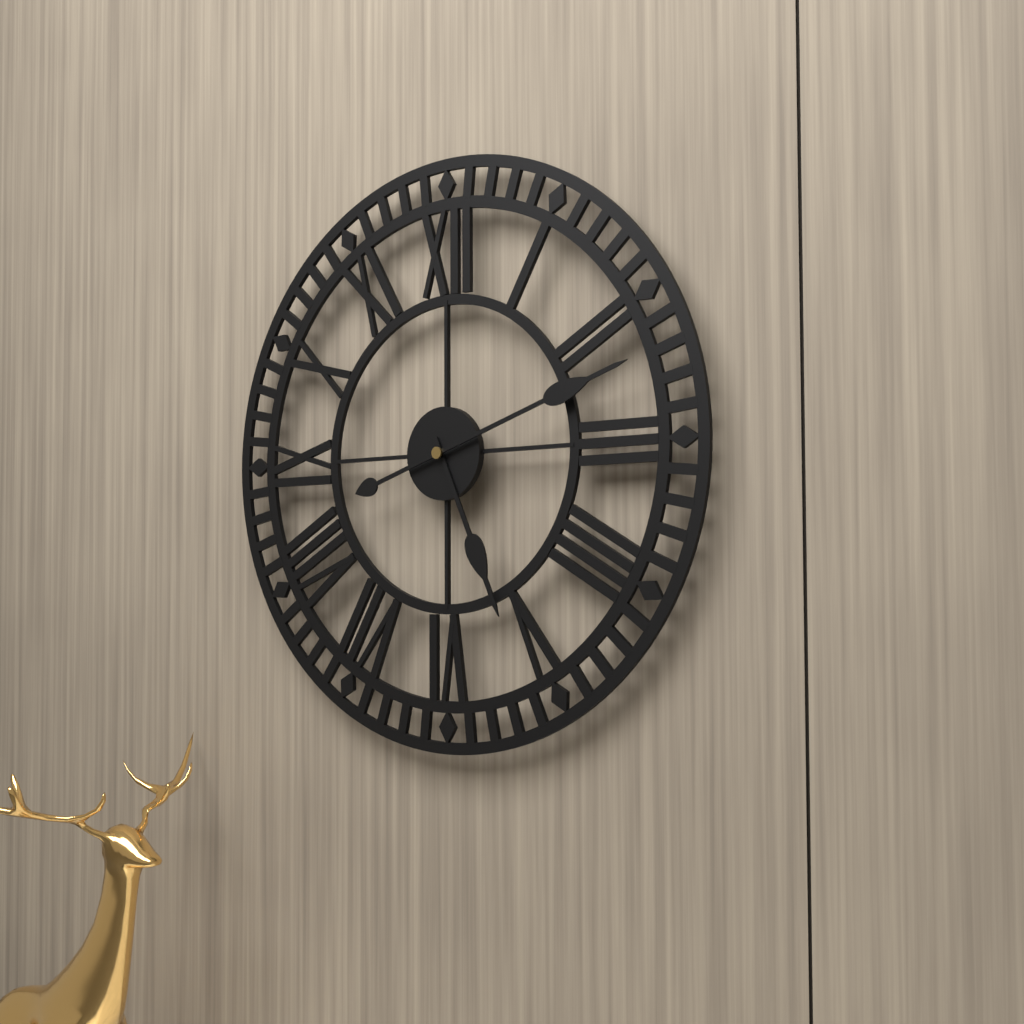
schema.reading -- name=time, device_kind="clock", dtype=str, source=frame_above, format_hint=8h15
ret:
5h12
